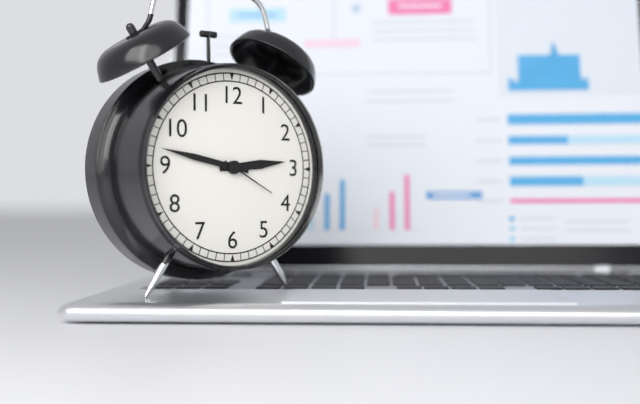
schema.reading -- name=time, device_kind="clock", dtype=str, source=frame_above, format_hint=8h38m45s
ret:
2h47m20s
